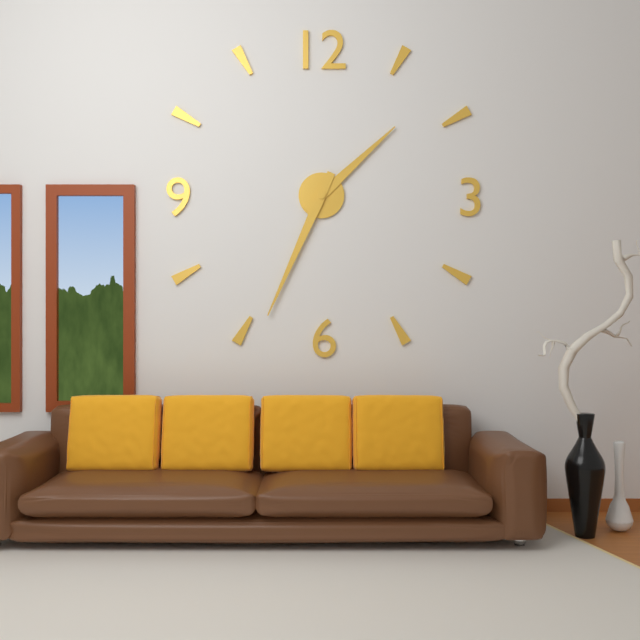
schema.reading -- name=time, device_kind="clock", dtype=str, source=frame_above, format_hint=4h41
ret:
1h34
